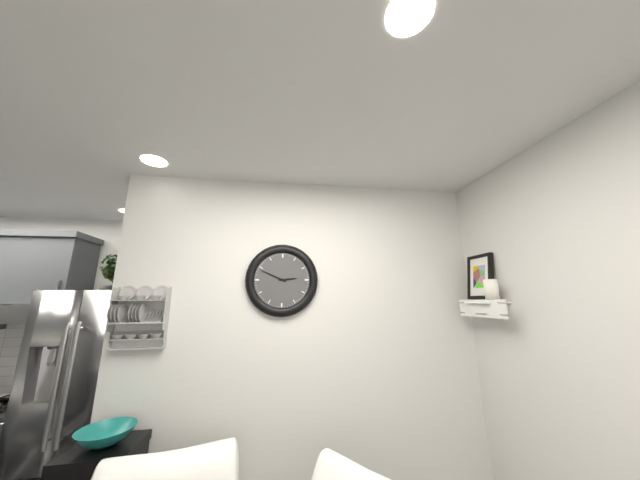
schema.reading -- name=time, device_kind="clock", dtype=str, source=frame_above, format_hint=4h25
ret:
2h49
